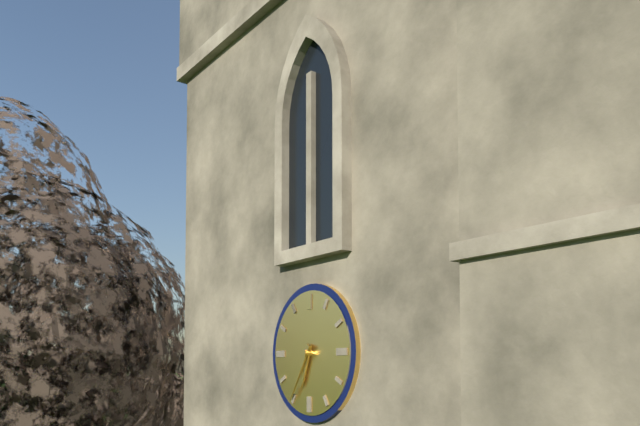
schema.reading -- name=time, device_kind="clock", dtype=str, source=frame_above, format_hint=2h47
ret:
6h35
